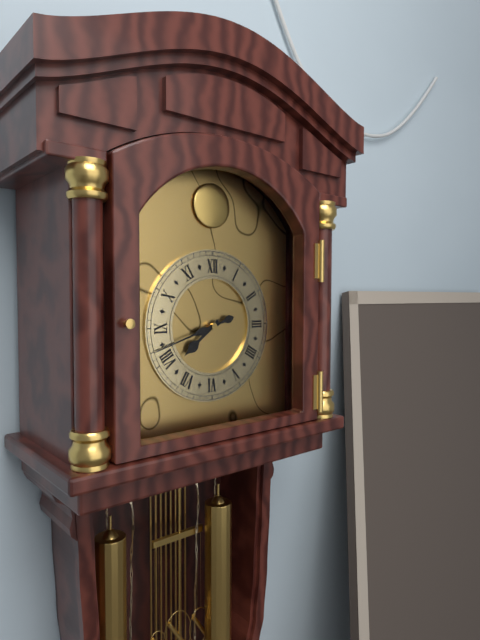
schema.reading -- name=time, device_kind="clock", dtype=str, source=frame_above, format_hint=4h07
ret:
7h42
